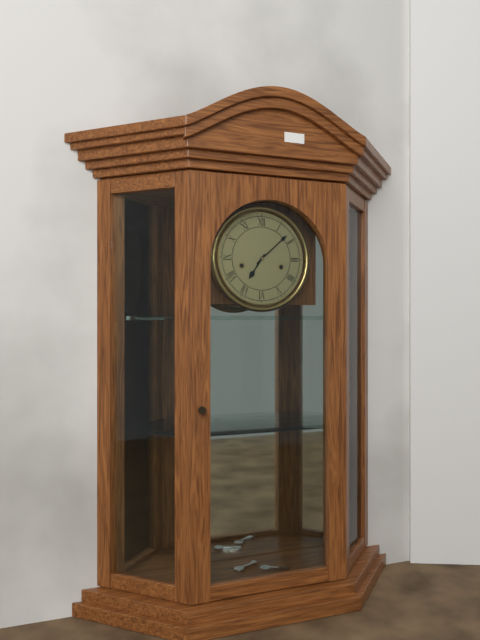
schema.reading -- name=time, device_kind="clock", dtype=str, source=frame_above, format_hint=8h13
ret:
7h08
